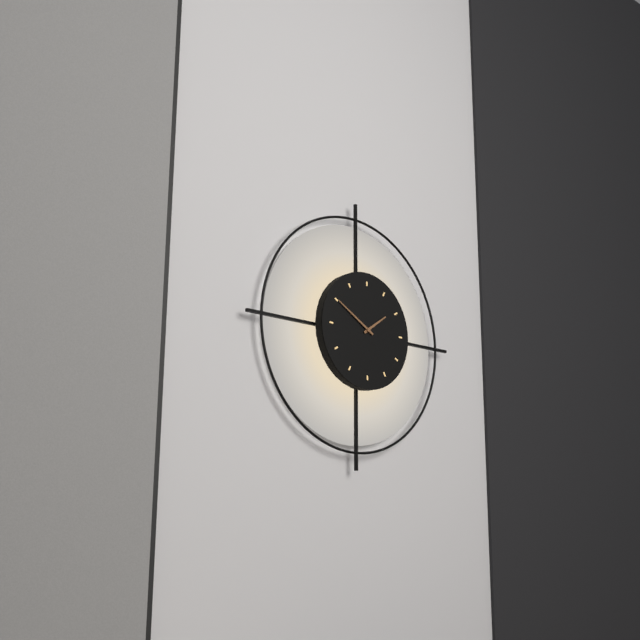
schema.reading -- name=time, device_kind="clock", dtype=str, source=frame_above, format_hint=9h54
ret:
1h50
